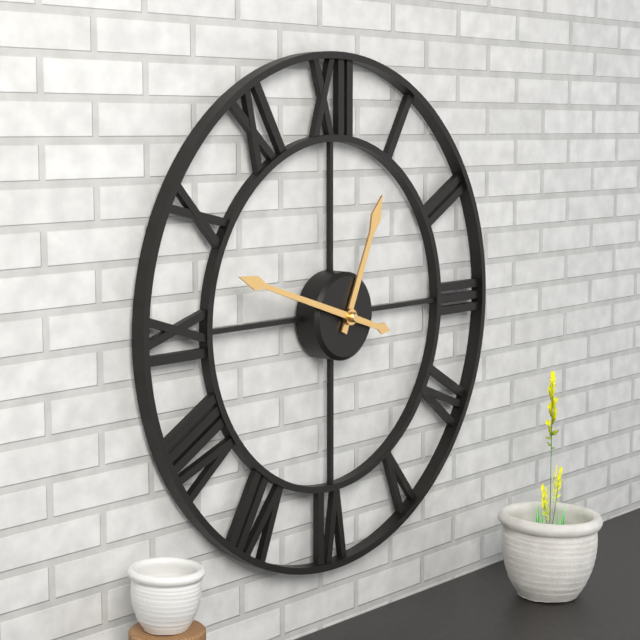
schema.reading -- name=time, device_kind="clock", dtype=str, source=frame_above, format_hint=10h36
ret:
12h48
